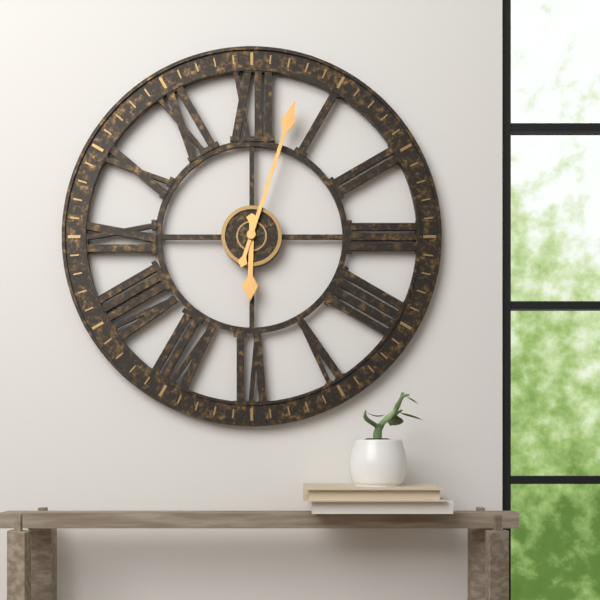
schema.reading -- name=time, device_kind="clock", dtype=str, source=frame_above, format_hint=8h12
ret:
6h03
